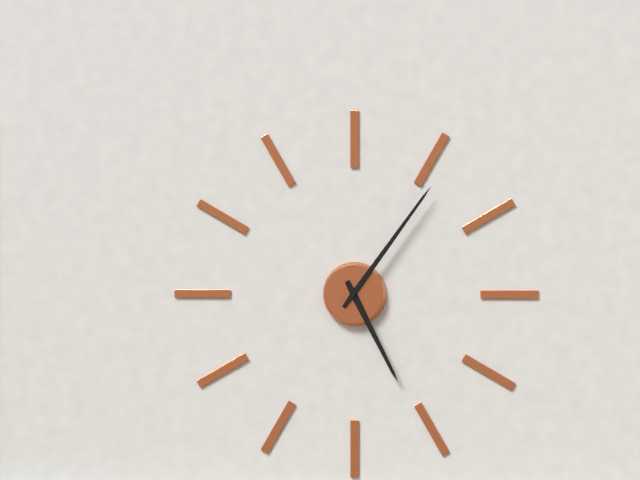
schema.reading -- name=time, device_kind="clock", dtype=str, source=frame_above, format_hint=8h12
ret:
5h06
